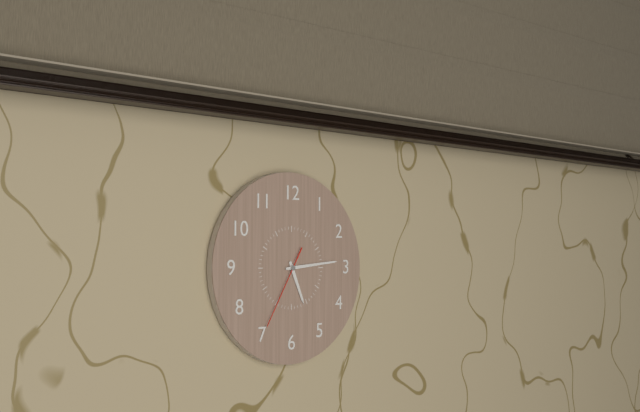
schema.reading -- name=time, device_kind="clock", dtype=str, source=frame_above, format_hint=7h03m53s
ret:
5h14m35s
